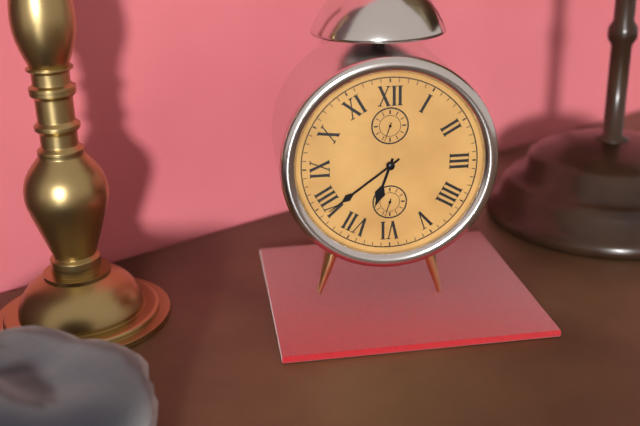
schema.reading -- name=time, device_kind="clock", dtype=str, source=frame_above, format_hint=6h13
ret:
6h39
